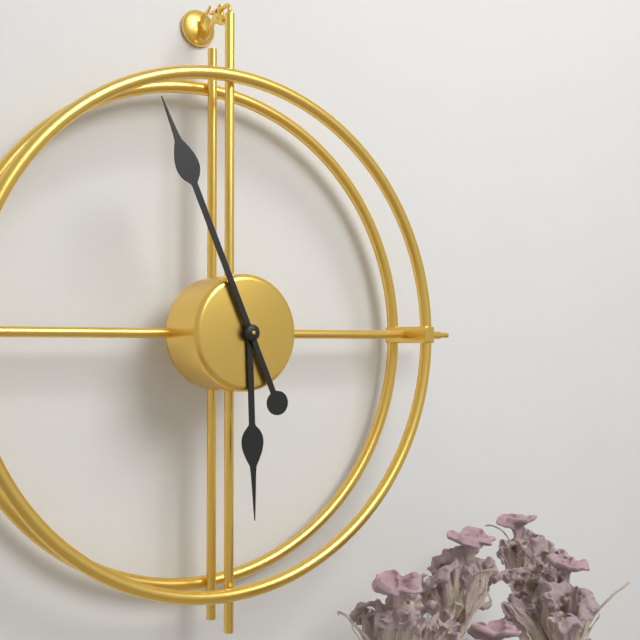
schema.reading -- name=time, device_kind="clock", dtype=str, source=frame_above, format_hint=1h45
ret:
5h56
